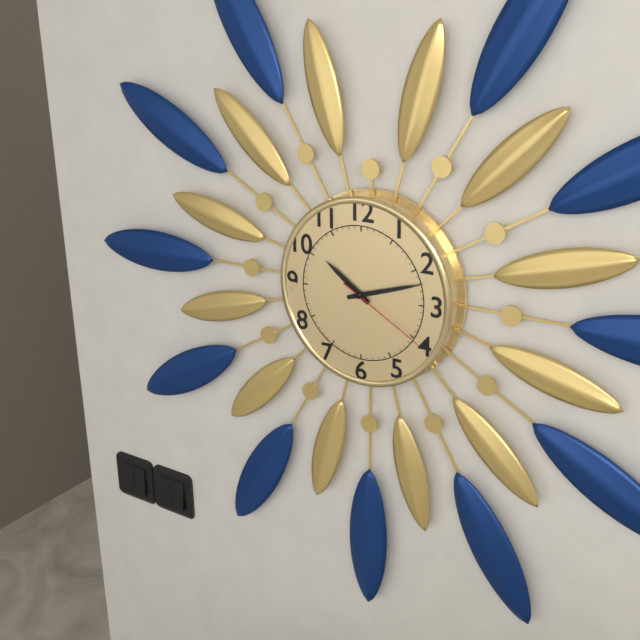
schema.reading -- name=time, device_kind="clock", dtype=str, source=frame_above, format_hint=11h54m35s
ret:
10h12m20s
